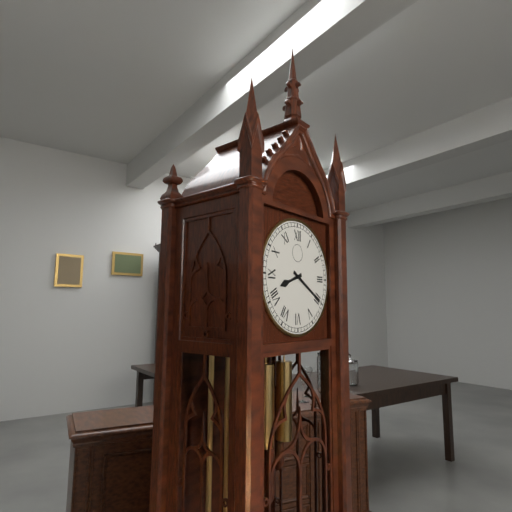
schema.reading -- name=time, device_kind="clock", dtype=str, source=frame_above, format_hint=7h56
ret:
8h20
